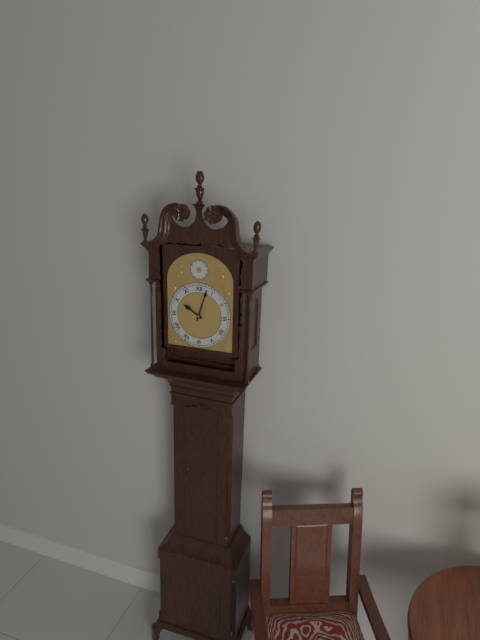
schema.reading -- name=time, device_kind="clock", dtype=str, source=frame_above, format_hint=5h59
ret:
10h03
